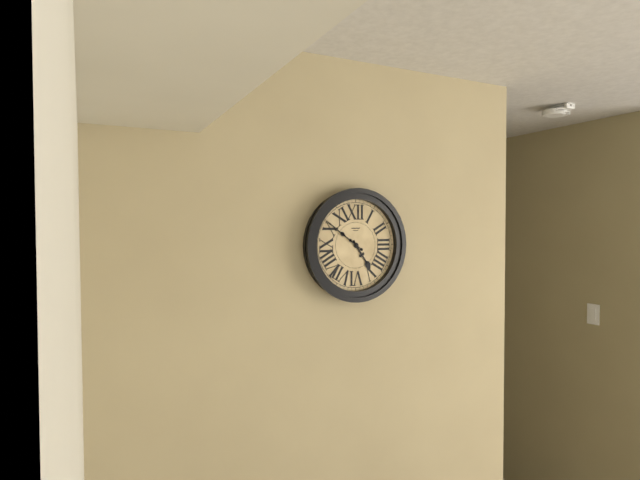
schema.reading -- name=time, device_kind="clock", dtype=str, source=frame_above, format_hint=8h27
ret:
4h51
